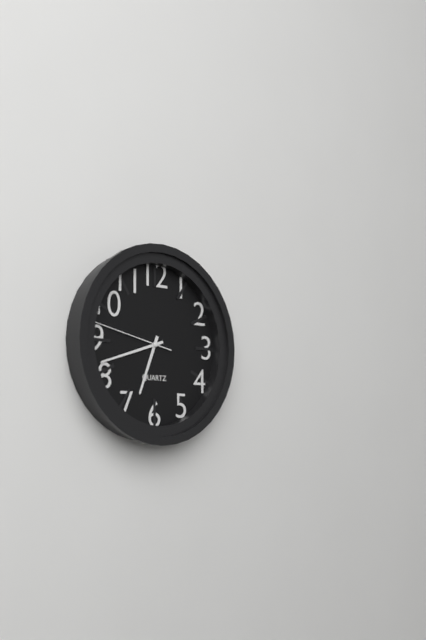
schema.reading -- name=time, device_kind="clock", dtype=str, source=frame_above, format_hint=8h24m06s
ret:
6h42m47s
